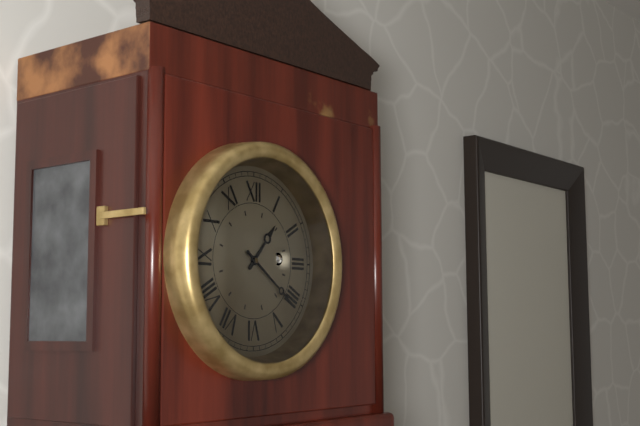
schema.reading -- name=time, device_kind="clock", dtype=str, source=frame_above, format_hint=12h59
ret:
1h21
